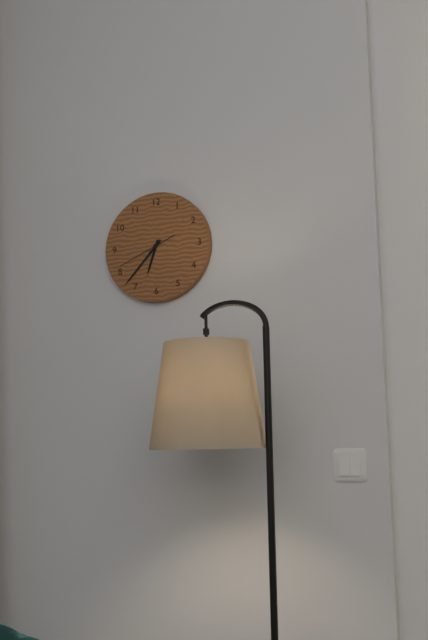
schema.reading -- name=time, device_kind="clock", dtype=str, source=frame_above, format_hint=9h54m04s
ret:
6h37m41s
